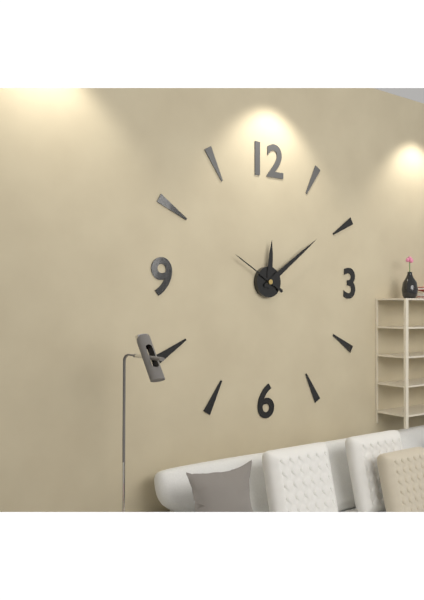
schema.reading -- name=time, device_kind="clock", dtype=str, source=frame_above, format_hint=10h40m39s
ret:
12h09m50s
